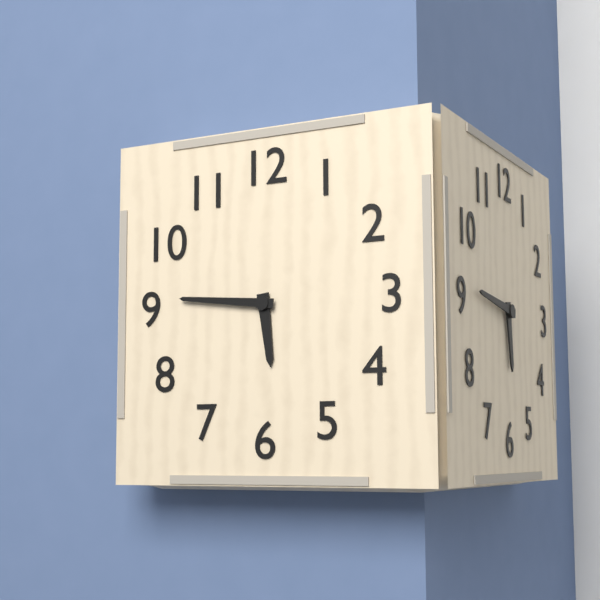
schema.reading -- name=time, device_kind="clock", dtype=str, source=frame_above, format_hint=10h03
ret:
5h46
